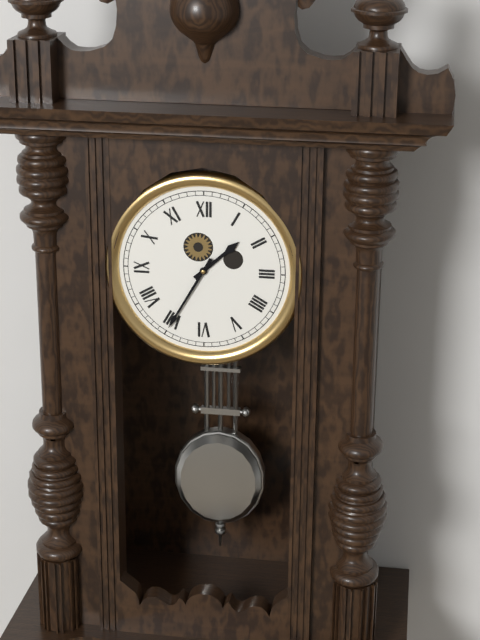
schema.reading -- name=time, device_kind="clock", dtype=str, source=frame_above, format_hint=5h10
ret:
1h35
